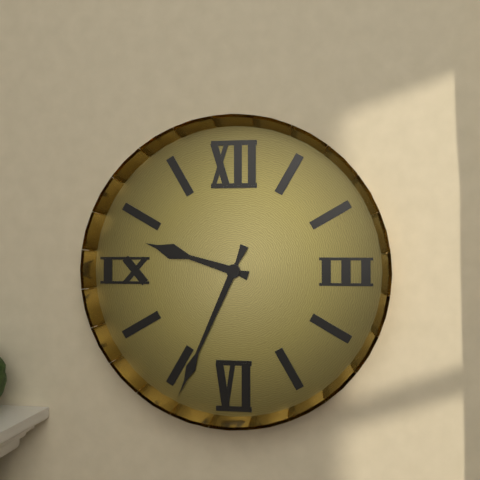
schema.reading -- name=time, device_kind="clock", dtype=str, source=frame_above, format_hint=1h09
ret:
9h34
